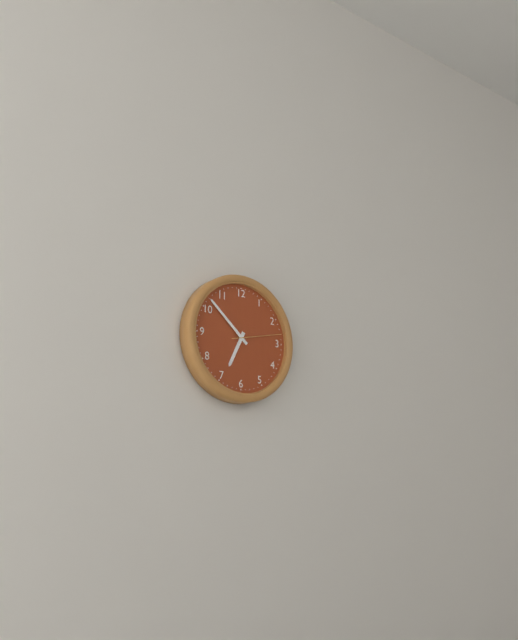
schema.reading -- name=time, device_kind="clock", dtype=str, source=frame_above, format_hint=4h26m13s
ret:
6h52m13s
